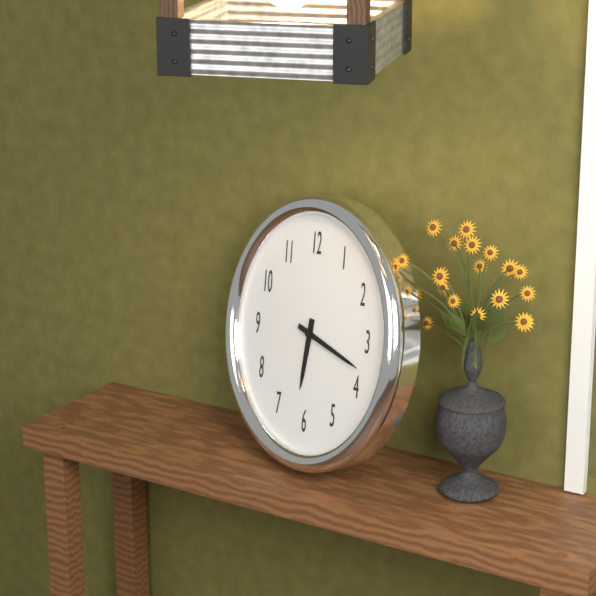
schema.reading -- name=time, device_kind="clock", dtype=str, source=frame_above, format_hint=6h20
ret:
6h18
